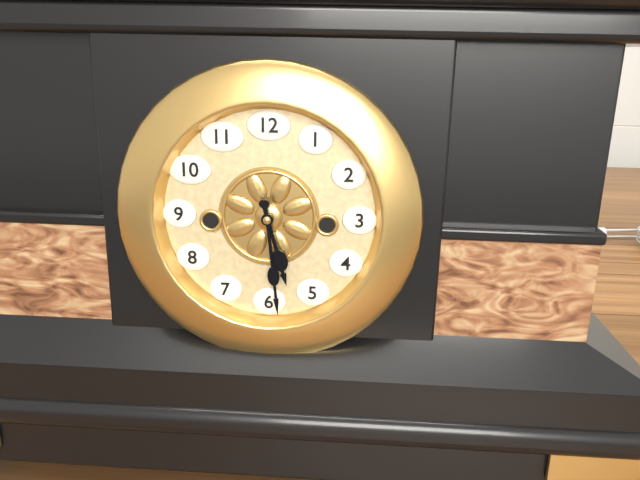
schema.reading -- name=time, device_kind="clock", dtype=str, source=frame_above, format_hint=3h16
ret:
5h29
